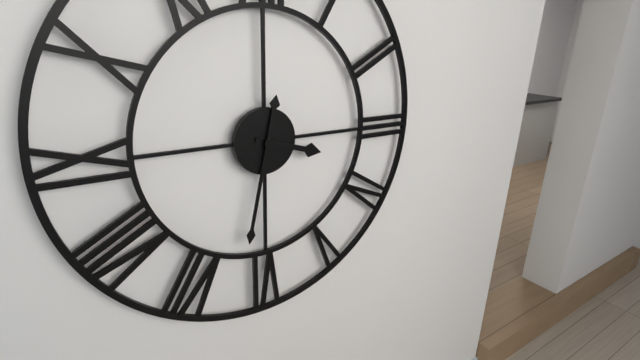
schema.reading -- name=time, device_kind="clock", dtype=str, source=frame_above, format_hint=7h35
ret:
3h32
